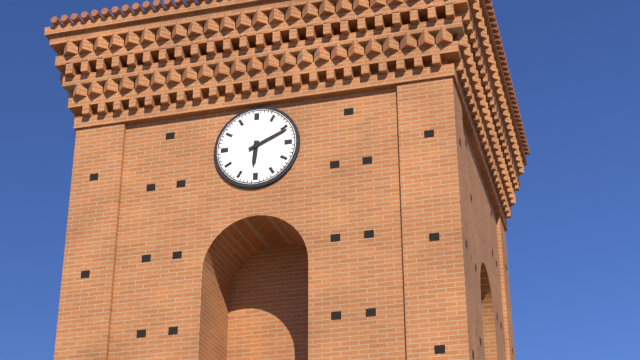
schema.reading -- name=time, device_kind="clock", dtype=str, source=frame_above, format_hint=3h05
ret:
6h11
